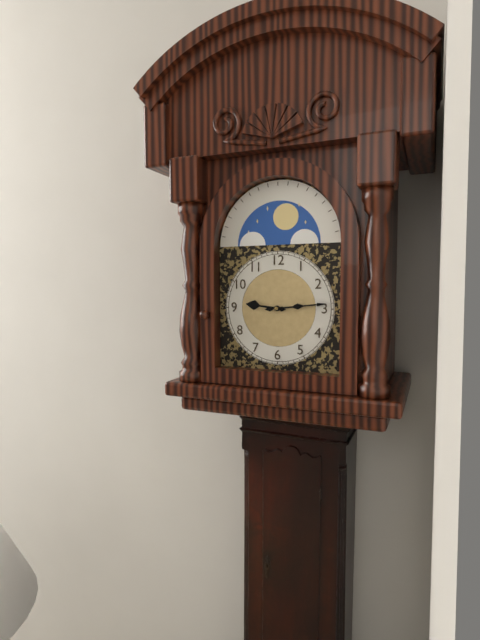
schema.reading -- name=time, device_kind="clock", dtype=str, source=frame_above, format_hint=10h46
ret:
9h14
